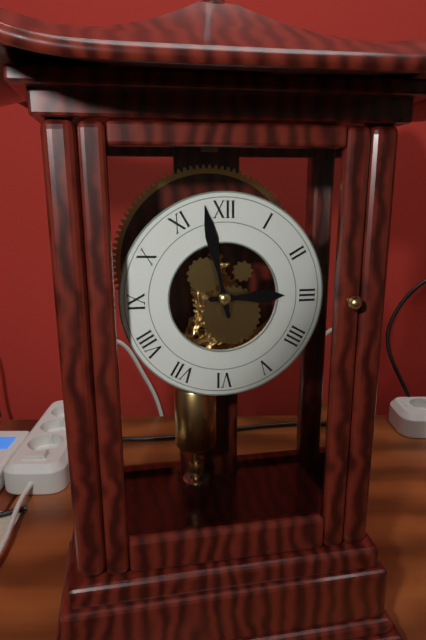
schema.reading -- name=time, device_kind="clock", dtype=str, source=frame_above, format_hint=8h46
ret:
2h58
